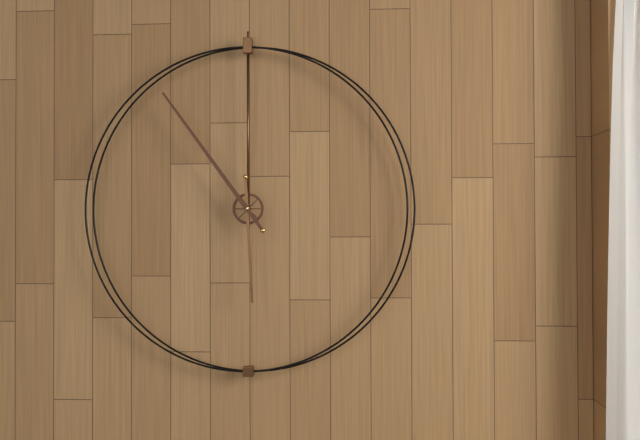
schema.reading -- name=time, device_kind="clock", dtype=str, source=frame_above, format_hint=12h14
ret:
5h54
